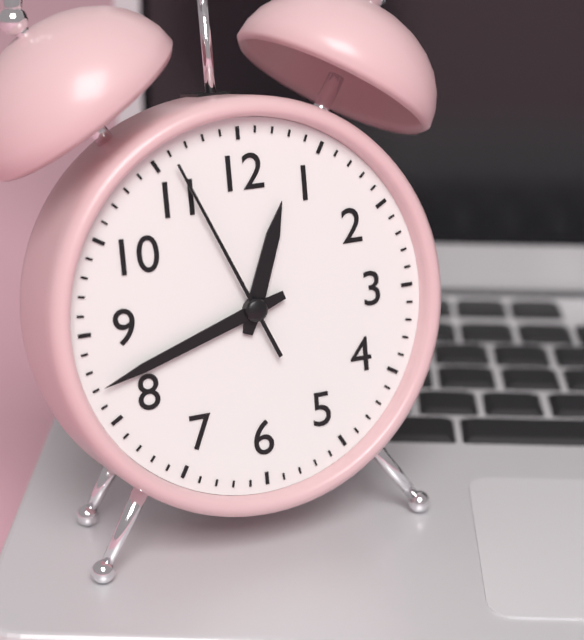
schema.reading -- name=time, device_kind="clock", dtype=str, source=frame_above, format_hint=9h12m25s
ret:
12h42m56s
